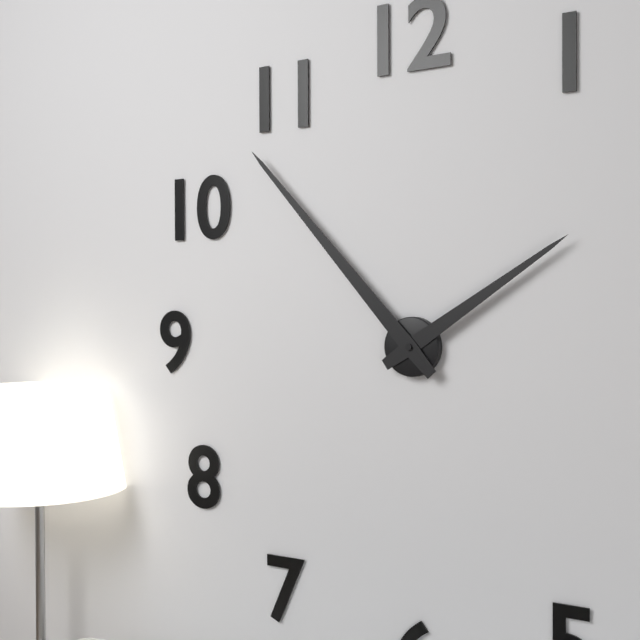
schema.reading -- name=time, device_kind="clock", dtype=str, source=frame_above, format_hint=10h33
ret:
1h53
